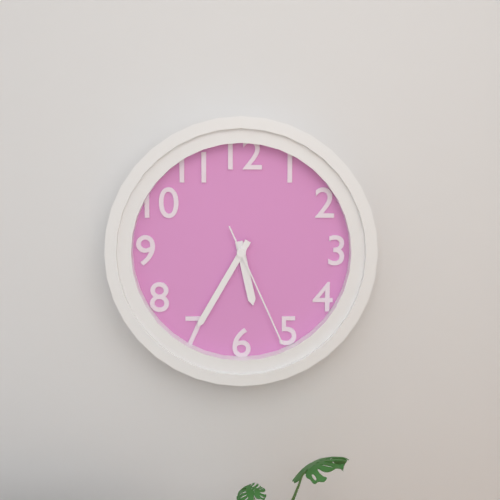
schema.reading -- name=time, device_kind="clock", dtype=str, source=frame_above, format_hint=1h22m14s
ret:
5h35m26s
